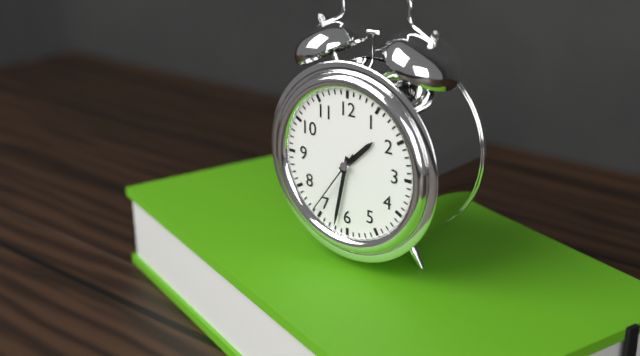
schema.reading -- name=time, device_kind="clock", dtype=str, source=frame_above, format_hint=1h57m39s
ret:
1h32m36s
